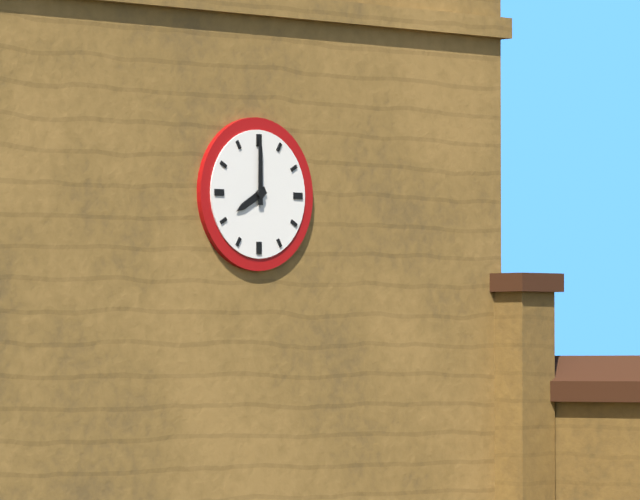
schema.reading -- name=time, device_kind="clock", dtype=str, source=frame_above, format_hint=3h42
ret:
8h00
